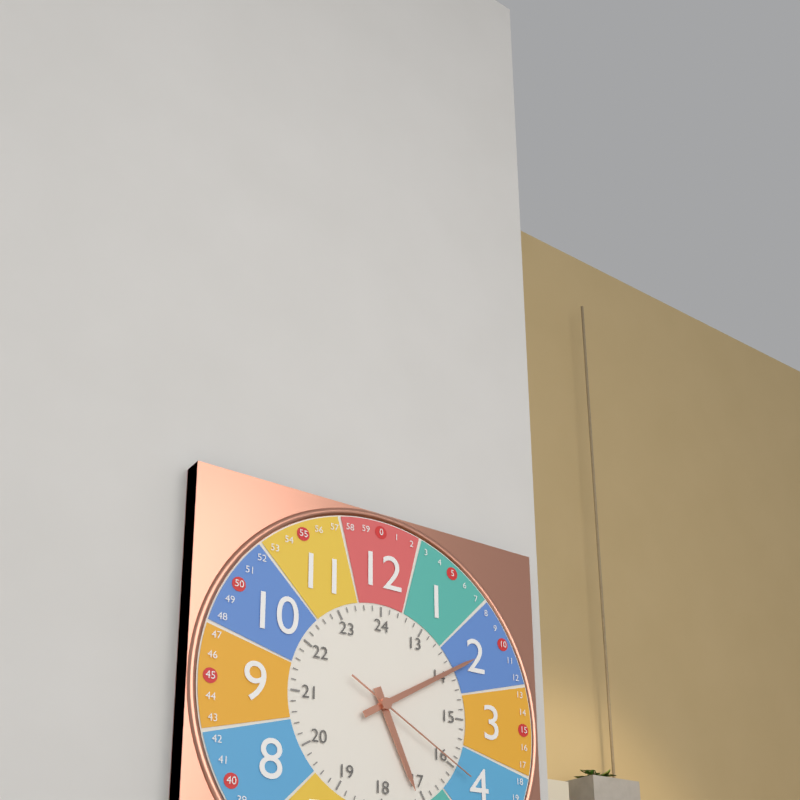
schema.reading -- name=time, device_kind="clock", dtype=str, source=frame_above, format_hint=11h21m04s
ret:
5h10m20s
